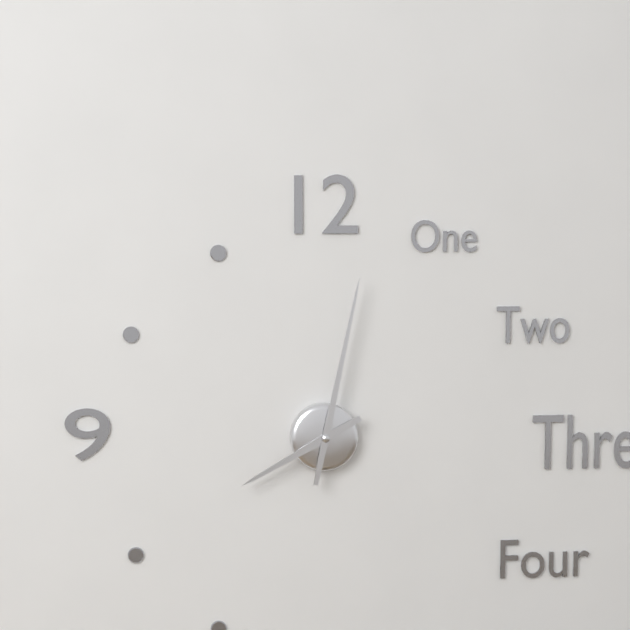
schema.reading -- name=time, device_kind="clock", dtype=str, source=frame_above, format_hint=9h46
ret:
8h02
